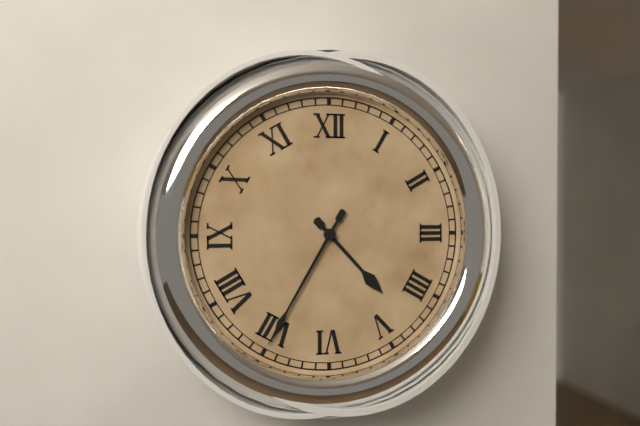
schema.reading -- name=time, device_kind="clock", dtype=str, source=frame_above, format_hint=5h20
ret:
4h35
